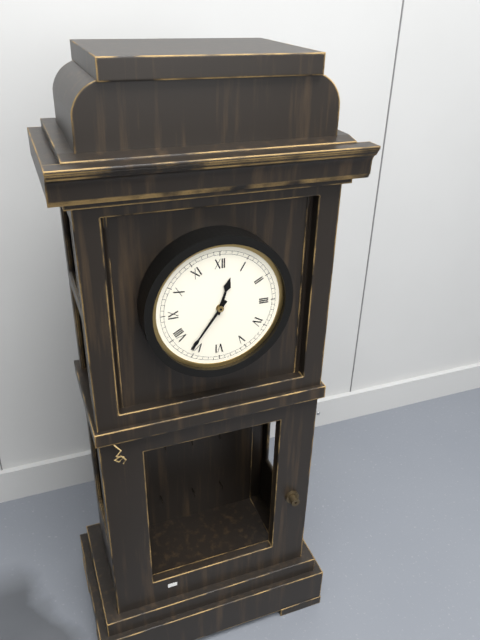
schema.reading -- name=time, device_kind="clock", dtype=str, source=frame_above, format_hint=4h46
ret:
12h36
